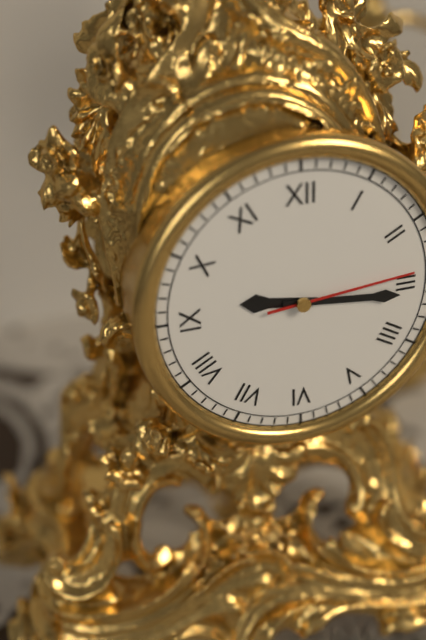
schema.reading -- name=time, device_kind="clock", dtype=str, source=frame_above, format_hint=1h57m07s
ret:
9h16m14s
